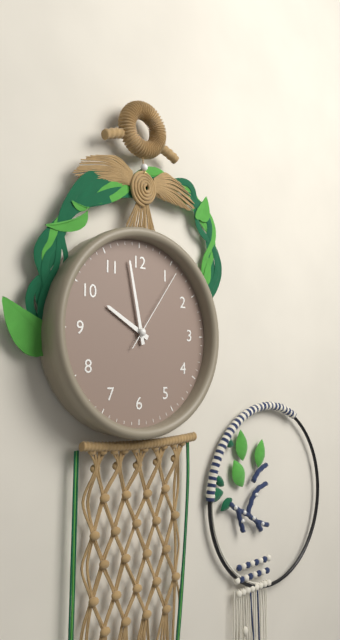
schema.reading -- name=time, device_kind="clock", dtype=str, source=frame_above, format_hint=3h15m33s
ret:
9h58m06s
